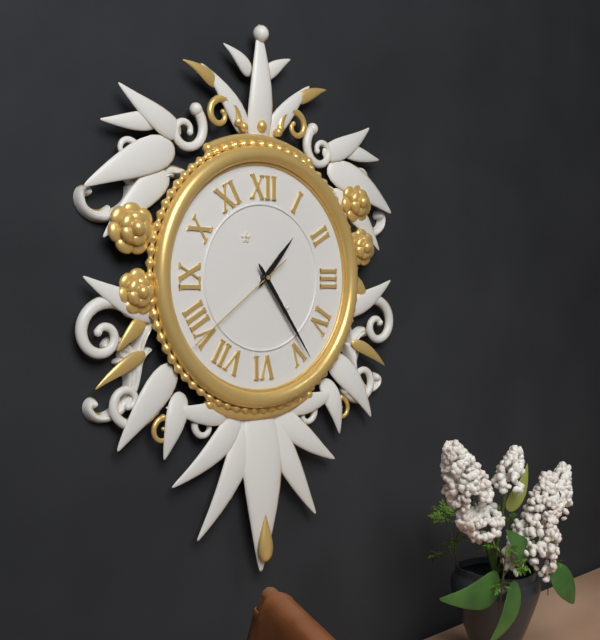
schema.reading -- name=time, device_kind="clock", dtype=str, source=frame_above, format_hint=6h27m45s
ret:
1h24m39s
